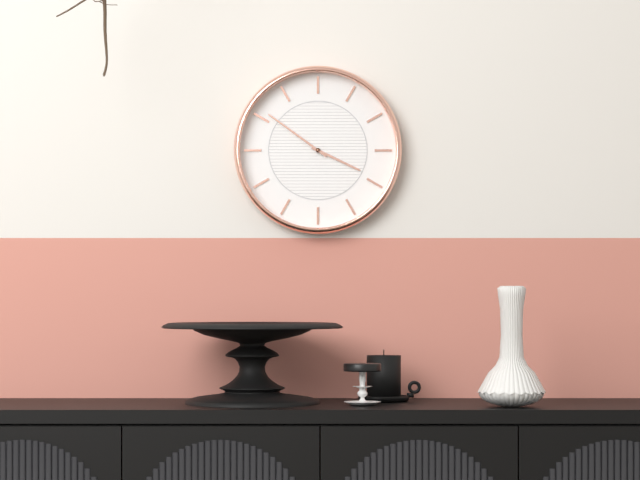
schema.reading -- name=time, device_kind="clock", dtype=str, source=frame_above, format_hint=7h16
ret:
3h51
